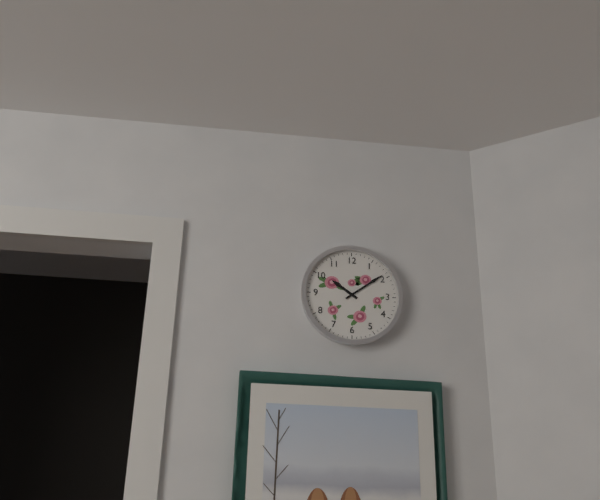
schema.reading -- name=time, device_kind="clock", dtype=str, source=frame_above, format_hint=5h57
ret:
10h09
